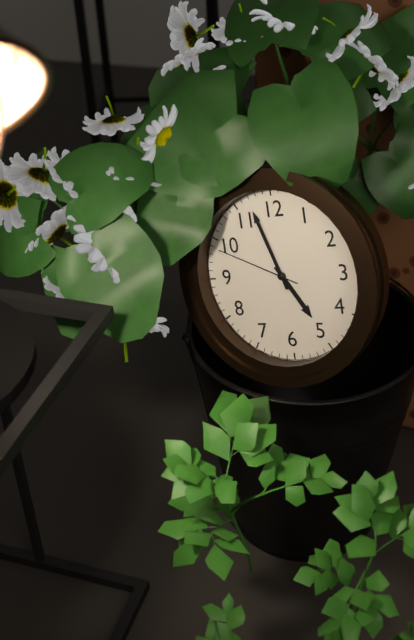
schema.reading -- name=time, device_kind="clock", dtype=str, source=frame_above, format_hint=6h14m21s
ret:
4h57m49s
